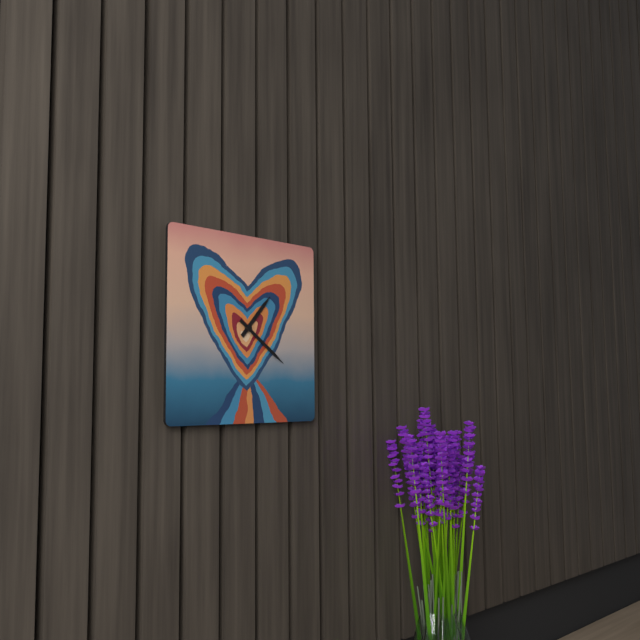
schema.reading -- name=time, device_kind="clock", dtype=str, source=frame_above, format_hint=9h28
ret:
1h21
